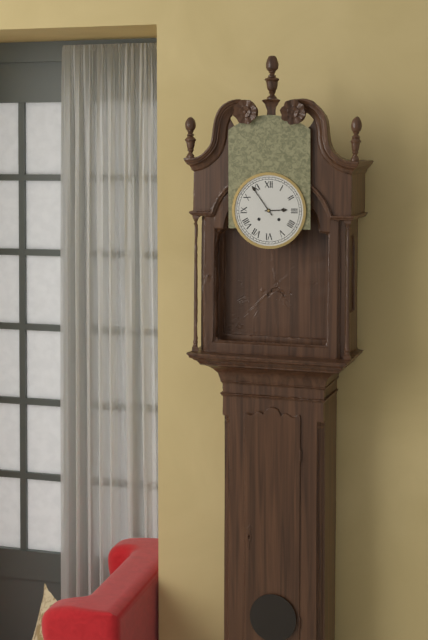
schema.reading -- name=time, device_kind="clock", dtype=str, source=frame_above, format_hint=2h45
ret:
2h54
